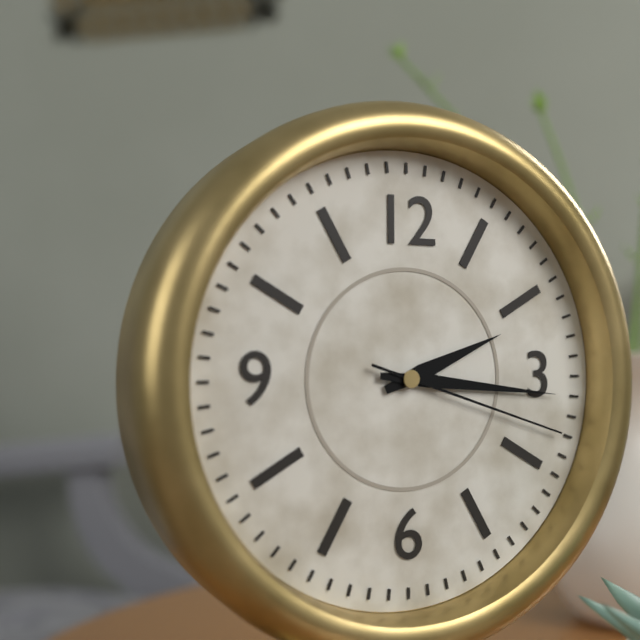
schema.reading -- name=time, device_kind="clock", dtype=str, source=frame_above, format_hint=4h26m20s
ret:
2h16m18s
